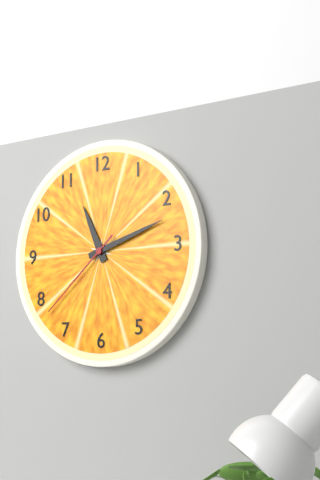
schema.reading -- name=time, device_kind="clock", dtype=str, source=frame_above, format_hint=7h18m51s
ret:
11h12m38s
